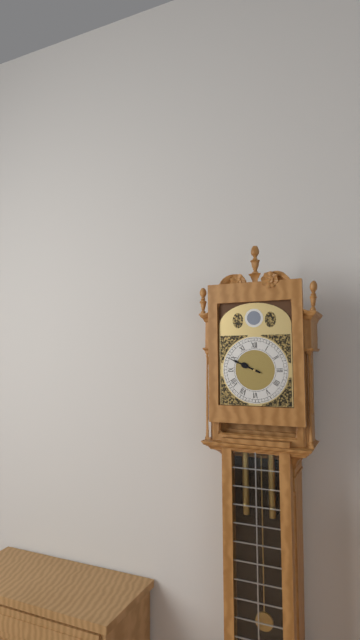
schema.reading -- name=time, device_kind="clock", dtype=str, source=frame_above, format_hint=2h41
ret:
9h49
